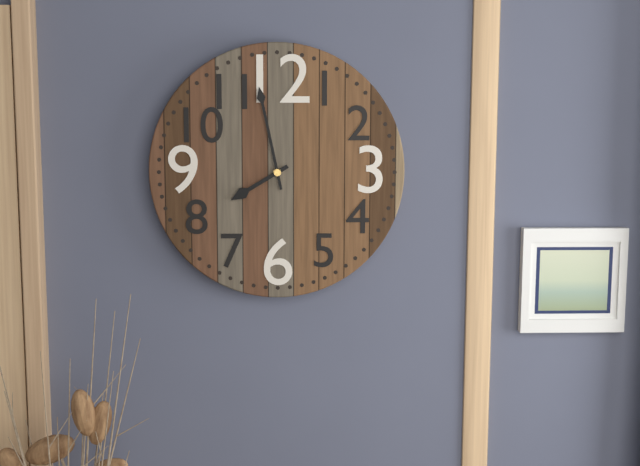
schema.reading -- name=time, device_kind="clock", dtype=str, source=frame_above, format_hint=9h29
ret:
7h58
